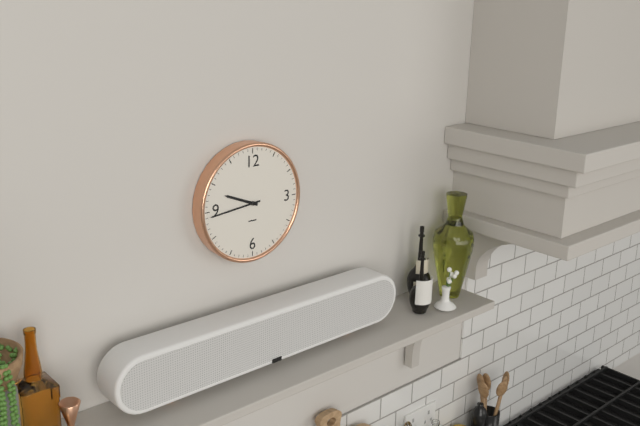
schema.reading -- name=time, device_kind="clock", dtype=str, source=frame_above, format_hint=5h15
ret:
9h44
